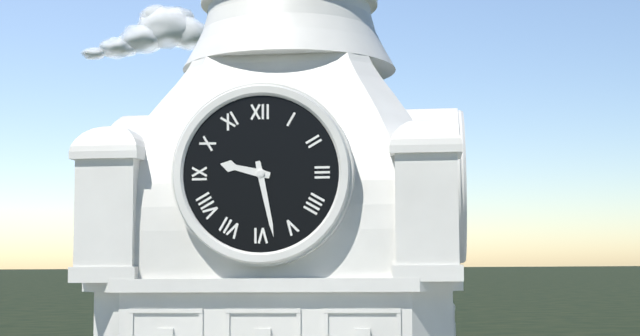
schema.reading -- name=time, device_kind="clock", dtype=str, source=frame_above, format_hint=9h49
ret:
9h28
